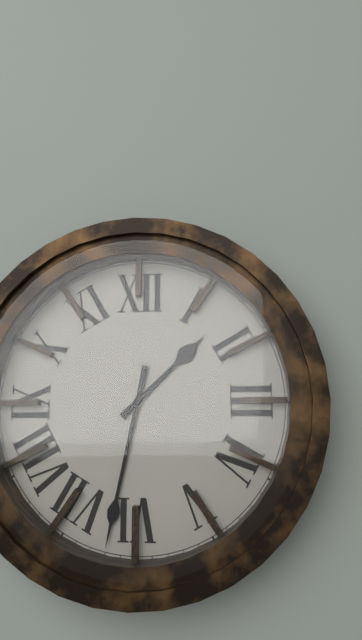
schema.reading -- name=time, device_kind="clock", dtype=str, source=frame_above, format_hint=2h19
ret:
1h32
